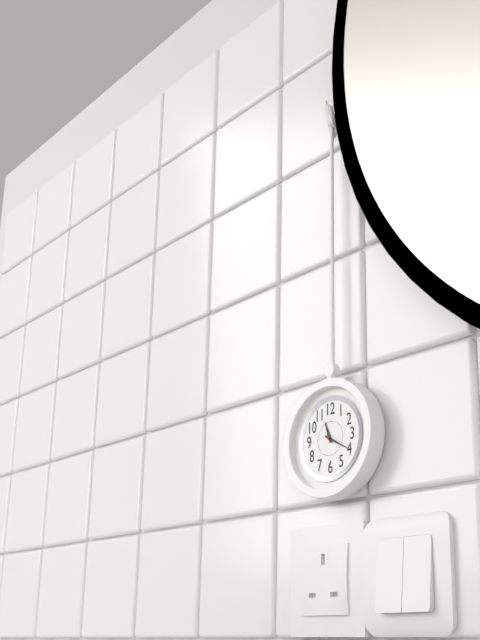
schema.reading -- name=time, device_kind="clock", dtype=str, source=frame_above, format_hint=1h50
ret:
11h20
